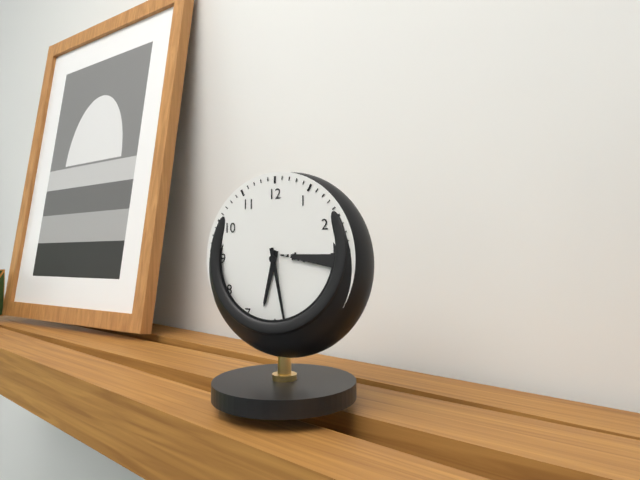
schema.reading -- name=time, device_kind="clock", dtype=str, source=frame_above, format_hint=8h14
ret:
6h28
